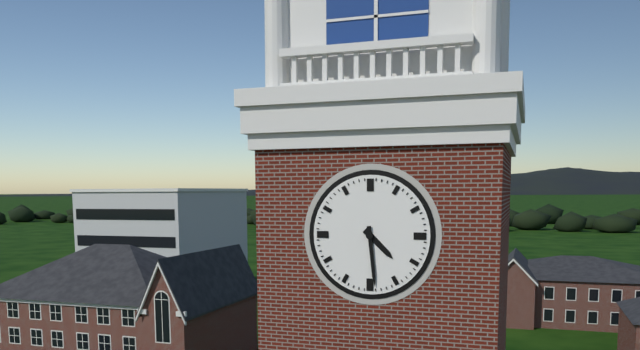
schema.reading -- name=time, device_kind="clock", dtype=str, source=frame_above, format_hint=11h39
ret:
4h29
